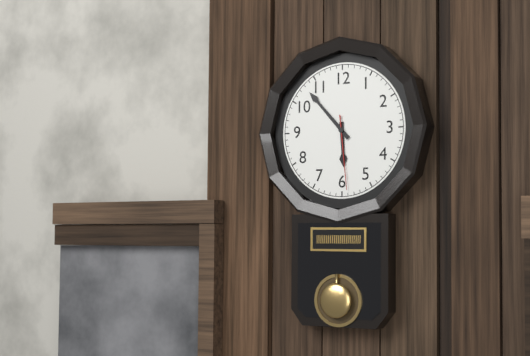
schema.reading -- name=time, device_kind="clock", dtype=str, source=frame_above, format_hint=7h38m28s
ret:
5h53m29s
